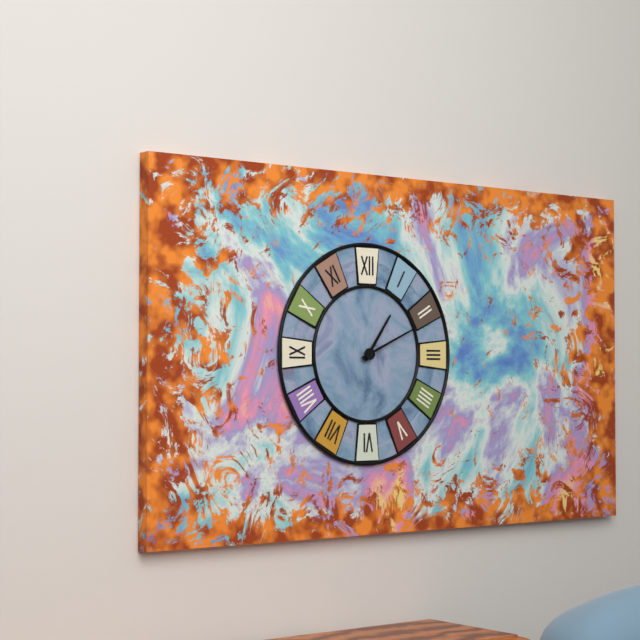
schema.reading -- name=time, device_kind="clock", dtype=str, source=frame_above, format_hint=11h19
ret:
1h11
